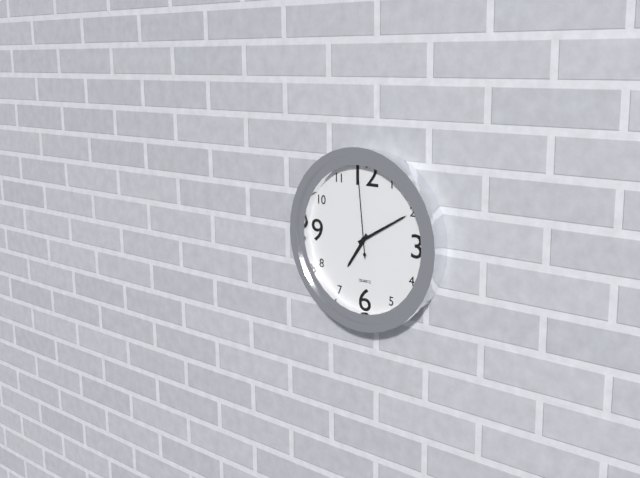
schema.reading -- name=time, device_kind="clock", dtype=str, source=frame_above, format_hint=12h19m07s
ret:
7h10m59s
